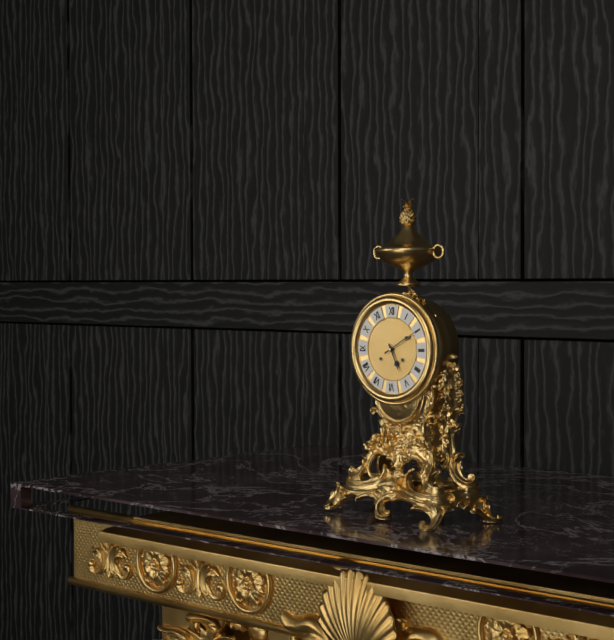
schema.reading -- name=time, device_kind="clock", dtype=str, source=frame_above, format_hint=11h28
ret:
5h10
